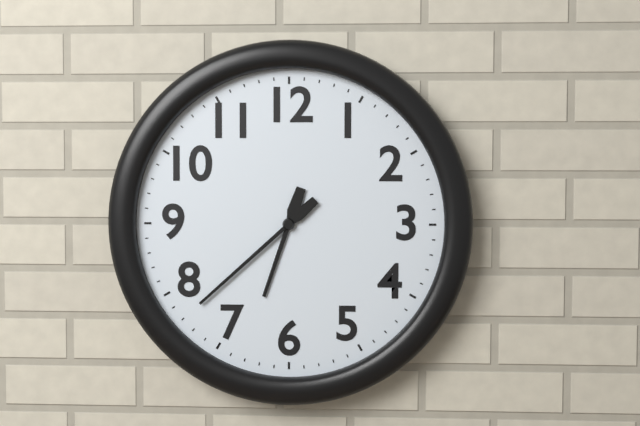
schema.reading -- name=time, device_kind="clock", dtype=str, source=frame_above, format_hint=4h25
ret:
6h38
